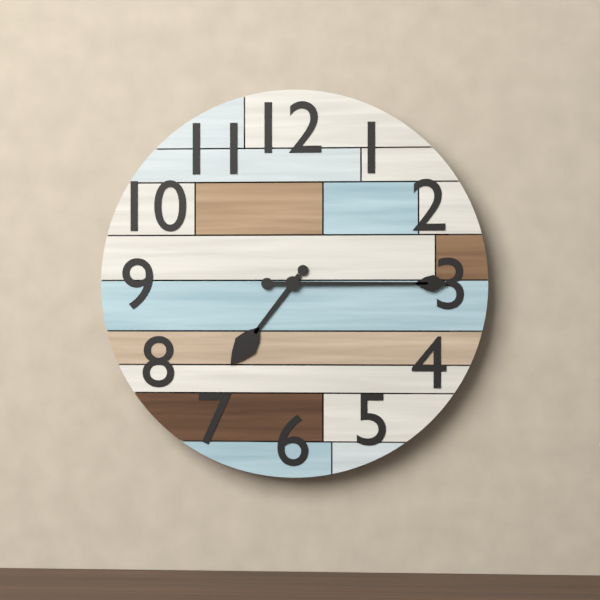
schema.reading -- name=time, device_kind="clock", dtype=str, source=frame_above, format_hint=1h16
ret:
7h15
